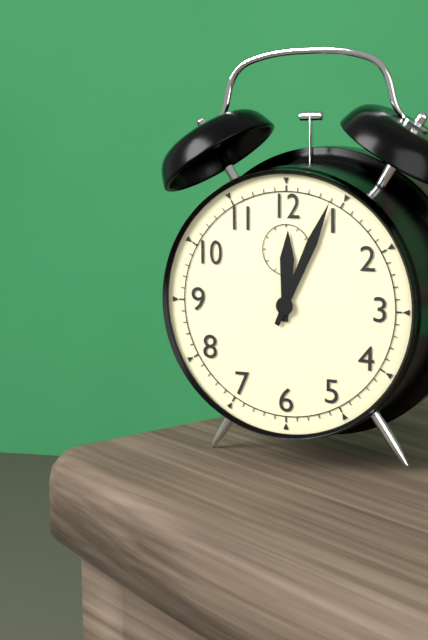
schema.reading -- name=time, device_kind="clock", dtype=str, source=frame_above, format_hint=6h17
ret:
12h04
